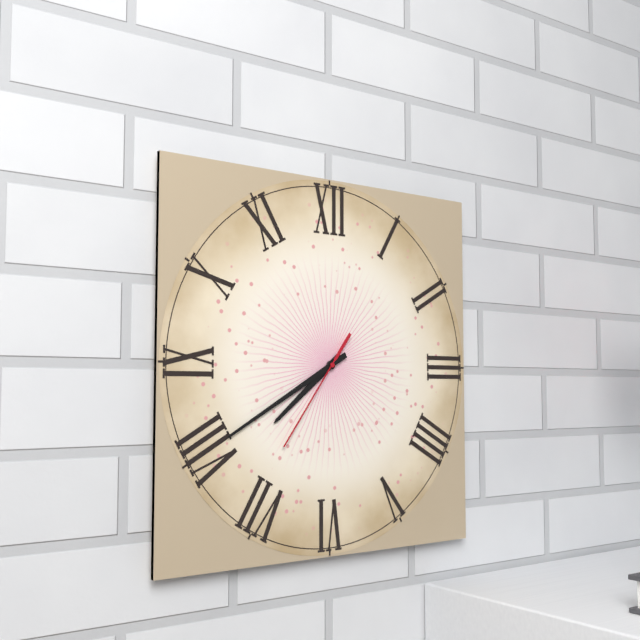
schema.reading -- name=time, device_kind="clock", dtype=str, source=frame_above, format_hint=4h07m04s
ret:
7h40m36s
